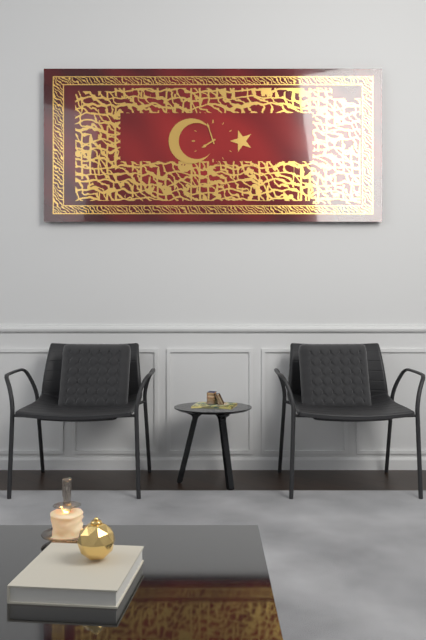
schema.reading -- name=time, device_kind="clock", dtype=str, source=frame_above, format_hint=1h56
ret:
7h57
